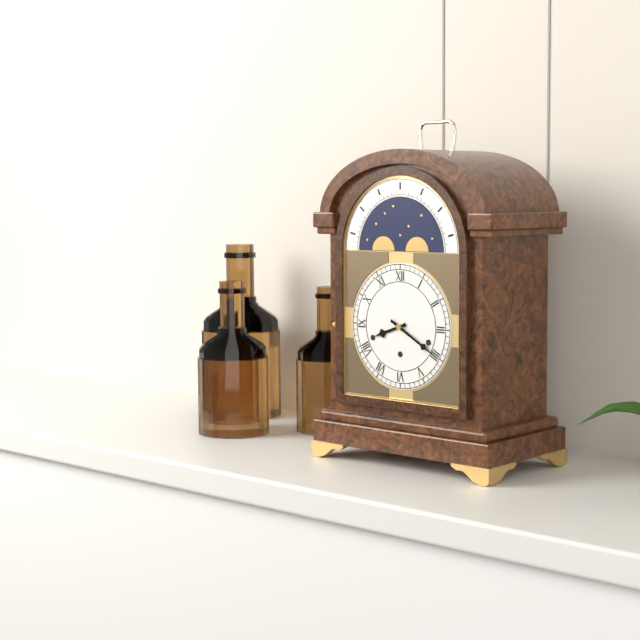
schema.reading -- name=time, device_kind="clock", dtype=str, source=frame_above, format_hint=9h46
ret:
8h20
